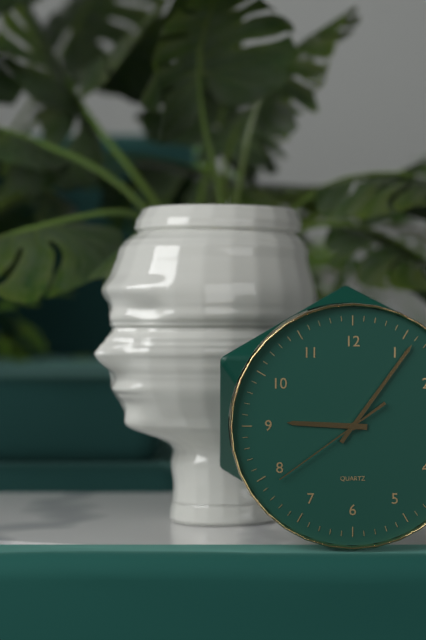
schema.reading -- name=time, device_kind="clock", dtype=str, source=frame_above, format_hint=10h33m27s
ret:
9h06m39s
